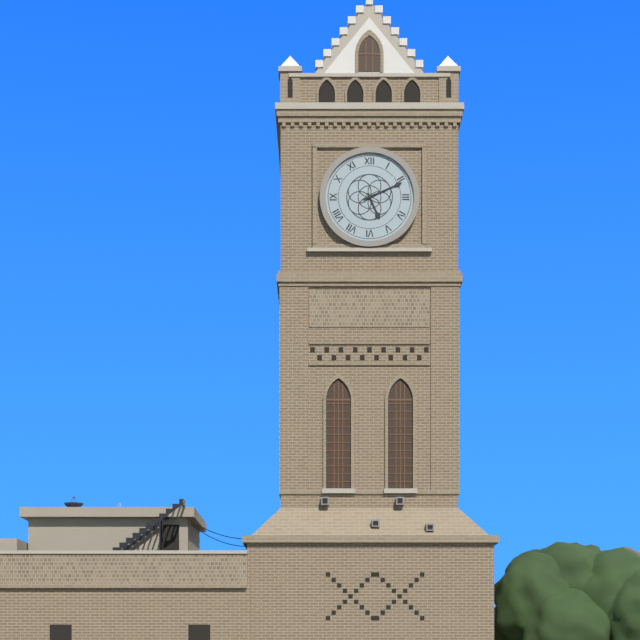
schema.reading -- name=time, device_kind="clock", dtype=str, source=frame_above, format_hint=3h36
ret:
5h11
